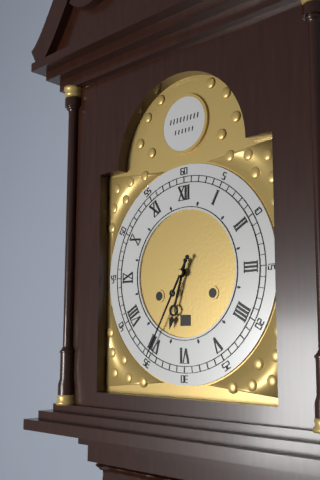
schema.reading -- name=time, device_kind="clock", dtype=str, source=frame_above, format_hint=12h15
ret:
6h35
